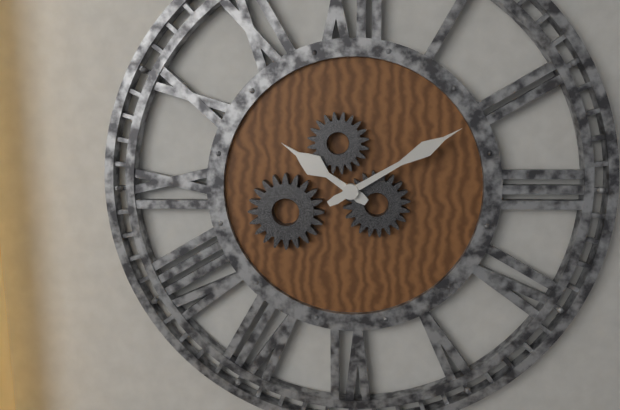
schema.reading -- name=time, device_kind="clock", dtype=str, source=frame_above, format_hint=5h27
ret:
10h10
